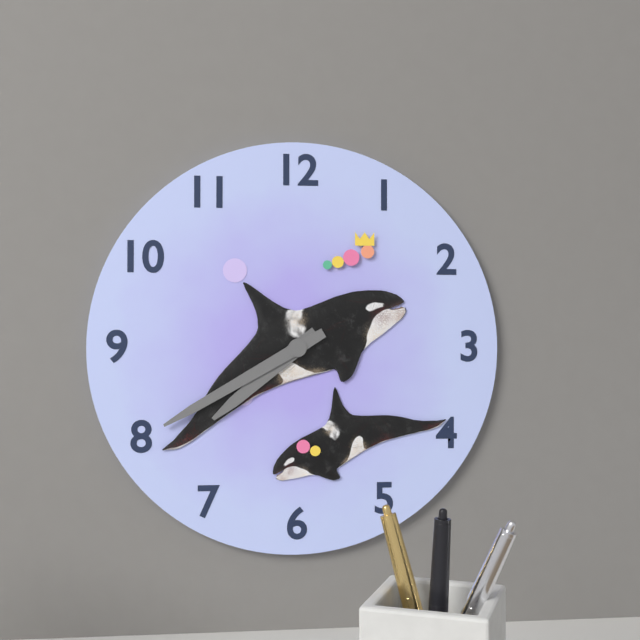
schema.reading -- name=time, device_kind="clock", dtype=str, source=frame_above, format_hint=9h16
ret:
7h40
